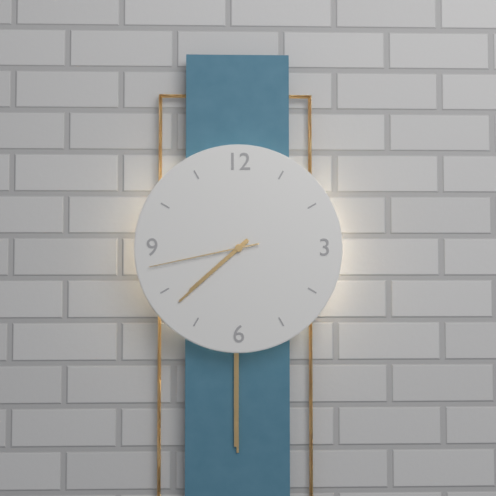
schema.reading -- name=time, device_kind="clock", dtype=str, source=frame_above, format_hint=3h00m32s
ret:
7h38m43s
